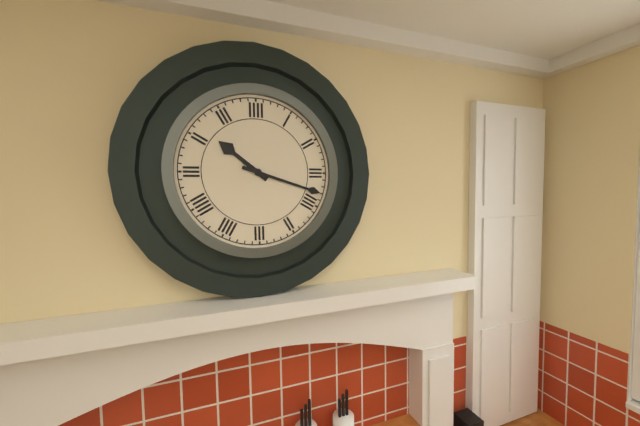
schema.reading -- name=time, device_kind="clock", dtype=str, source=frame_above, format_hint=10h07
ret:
10h18
